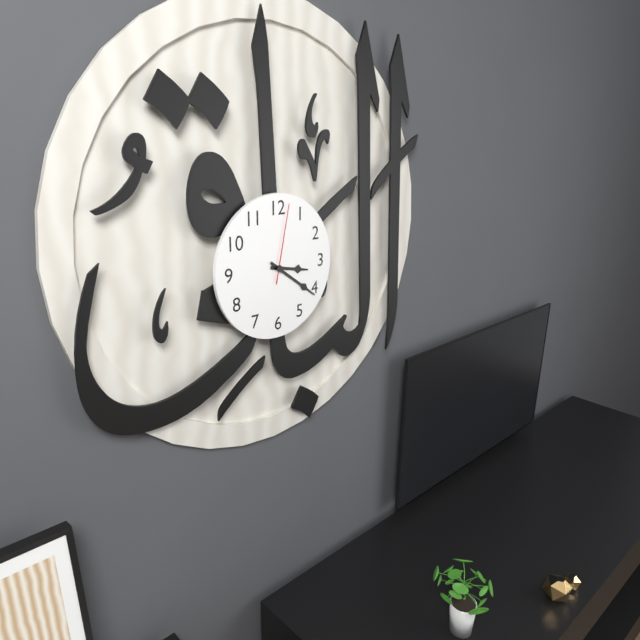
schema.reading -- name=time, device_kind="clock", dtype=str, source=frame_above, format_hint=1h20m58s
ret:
3h21m02s
